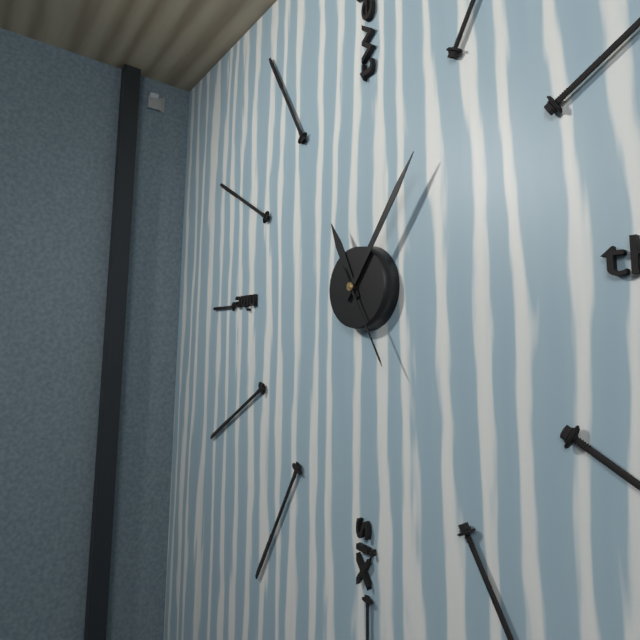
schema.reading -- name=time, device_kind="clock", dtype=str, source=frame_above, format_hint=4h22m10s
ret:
11h06m25s
